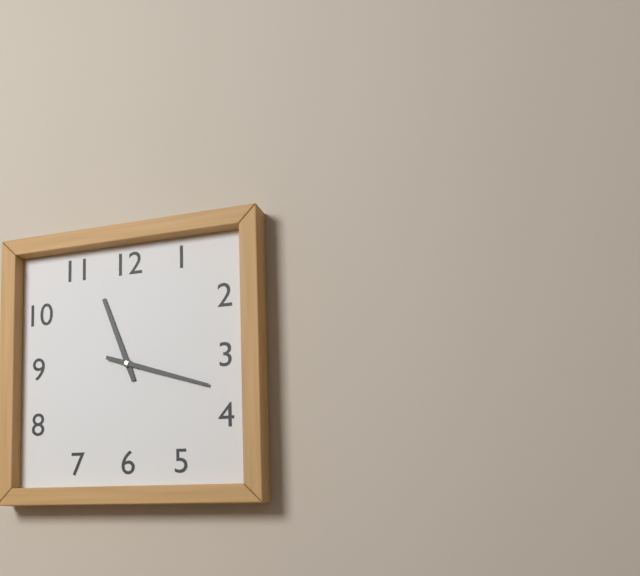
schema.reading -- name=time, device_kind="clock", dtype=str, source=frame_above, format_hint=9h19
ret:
11h18
